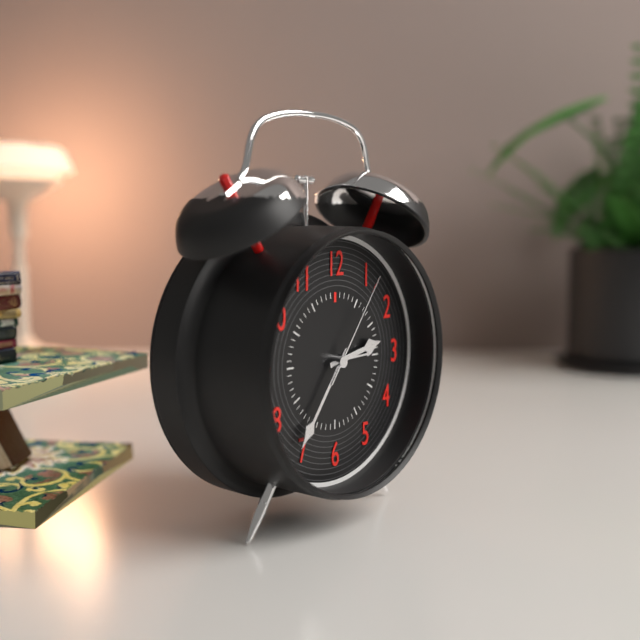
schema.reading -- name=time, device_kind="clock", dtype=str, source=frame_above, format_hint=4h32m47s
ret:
2h36m06s
